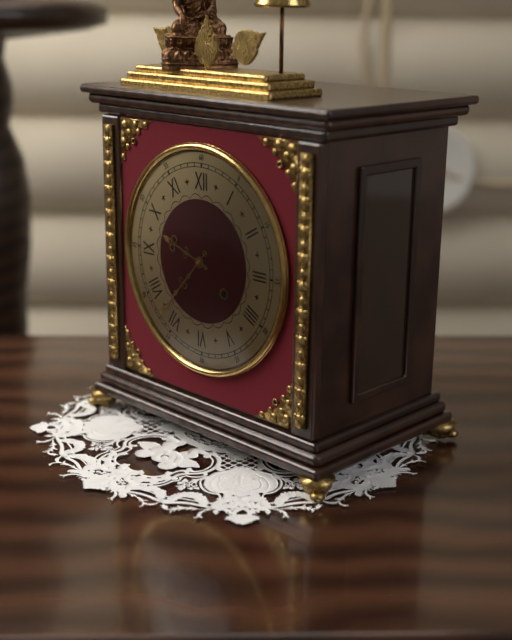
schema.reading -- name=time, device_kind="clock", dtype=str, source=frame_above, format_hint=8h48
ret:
9h37
